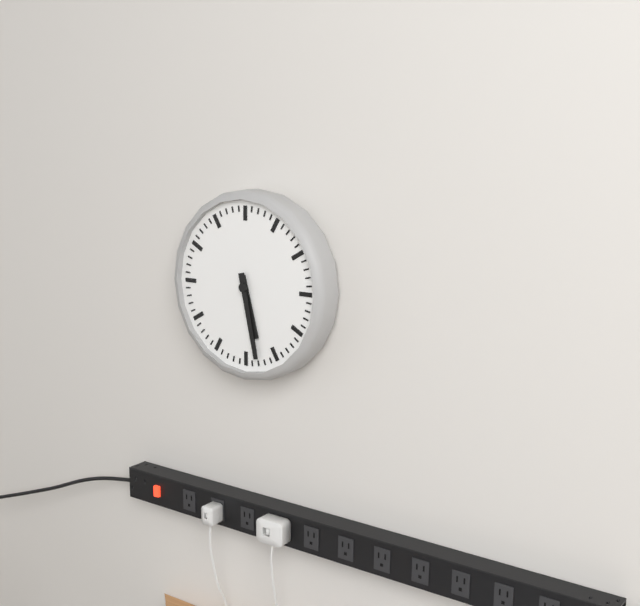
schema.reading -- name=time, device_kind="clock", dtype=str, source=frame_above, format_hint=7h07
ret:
5h28
